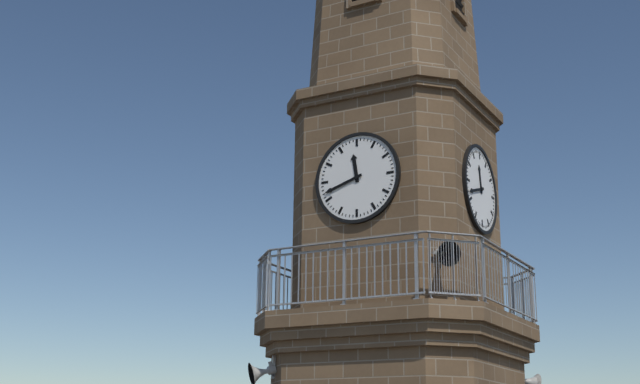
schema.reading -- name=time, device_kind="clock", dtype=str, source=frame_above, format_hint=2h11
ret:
11h42
